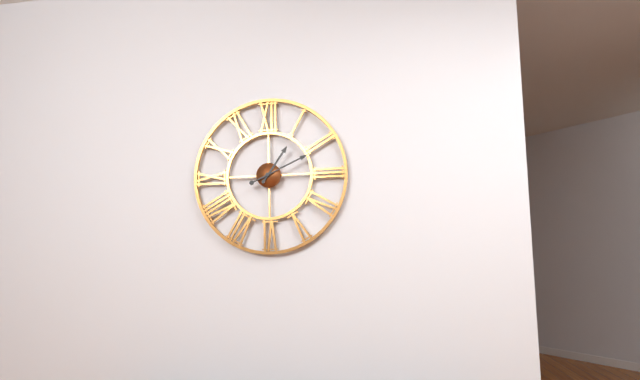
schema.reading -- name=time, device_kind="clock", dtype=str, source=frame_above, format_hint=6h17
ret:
1h11
